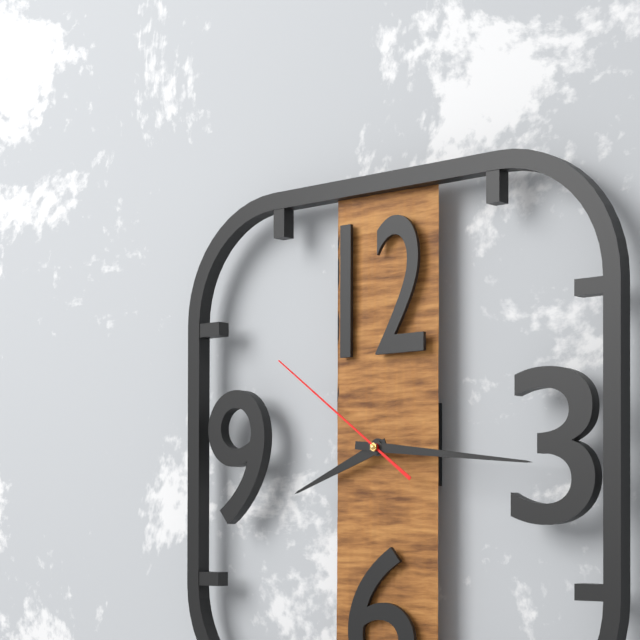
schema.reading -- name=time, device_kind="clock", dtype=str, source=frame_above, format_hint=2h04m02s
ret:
8h16m51s
